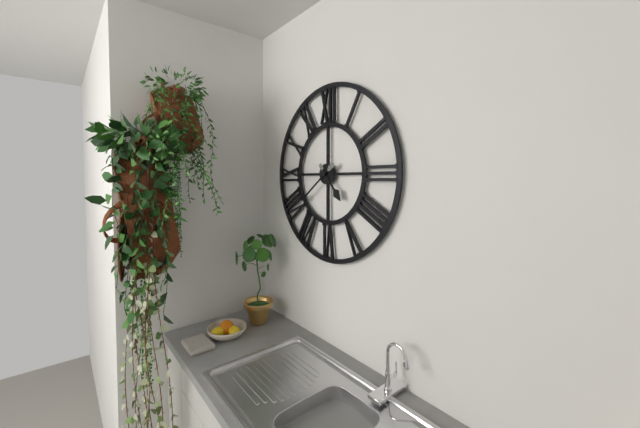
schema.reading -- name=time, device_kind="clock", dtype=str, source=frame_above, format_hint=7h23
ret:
4h39
